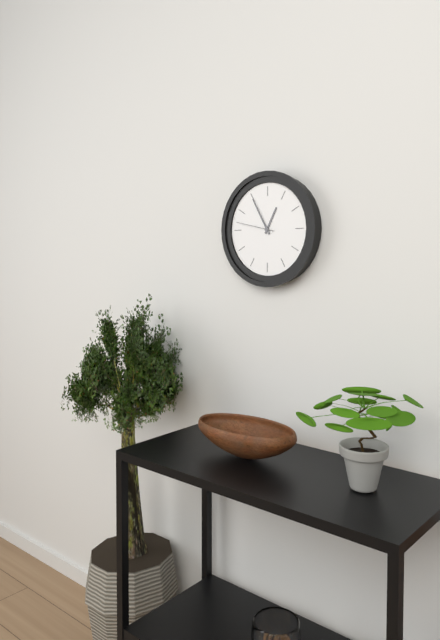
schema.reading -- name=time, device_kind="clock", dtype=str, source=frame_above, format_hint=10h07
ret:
12h55
